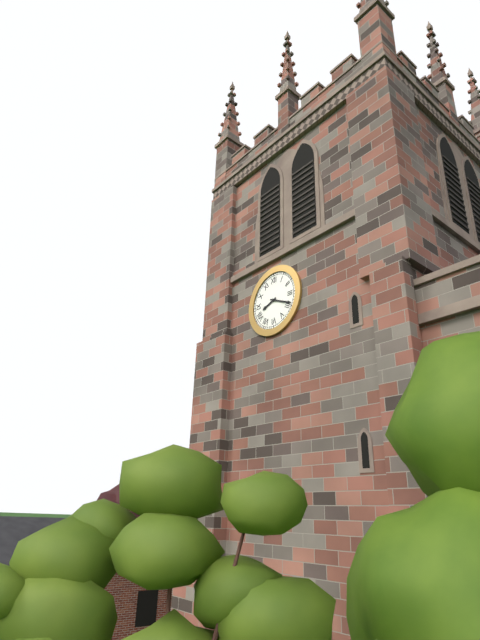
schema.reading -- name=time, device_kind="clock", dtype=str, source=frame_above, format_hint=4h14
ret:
8h19
